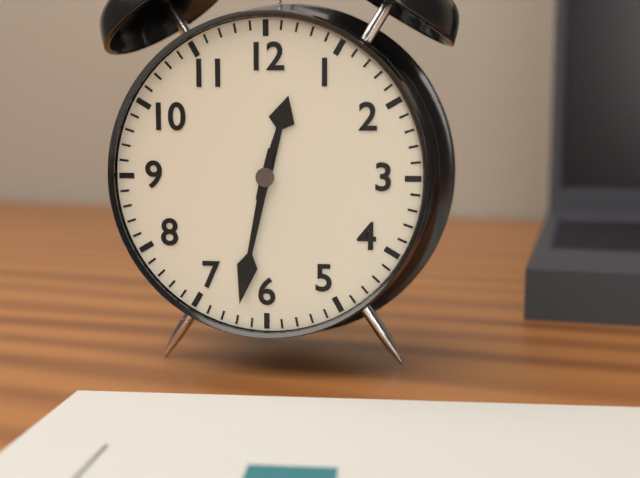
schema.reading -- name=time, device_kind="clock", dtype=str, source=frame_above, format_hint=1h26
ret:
12h32
